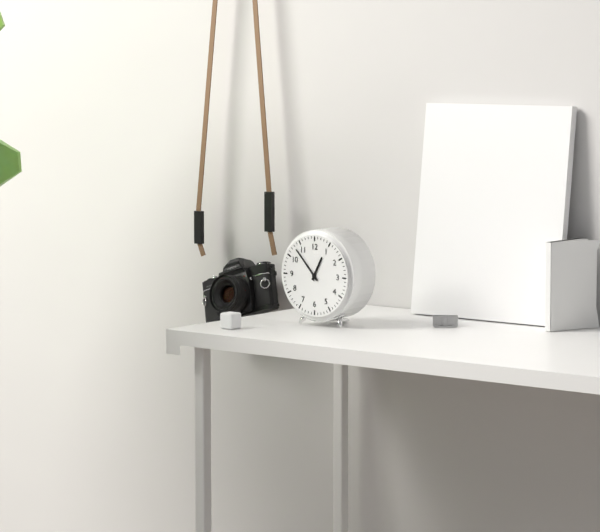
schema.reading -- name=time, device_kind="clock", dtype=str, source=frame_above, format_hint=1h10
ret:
12h53
